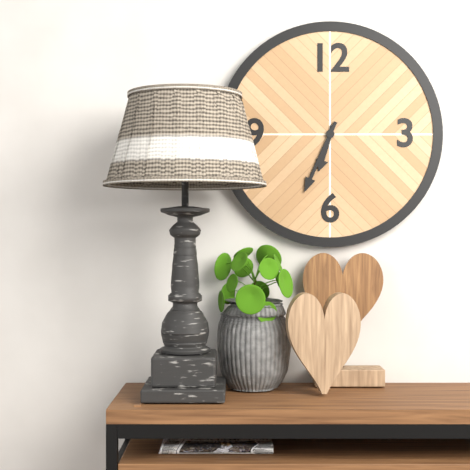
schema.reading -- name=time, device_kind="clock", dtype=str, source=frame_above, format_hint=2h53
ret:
6h34
